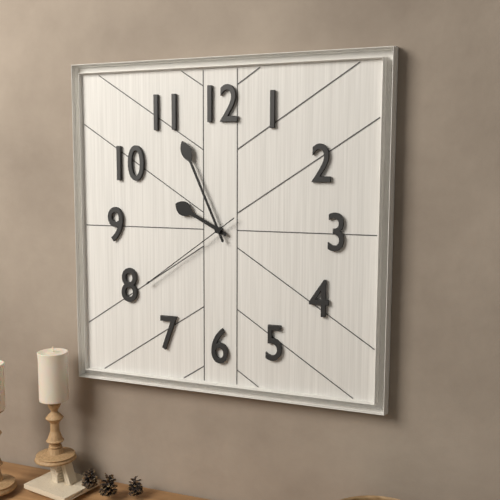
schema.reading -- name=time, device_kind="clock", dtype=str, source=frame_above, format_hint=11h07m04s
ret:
9h56m39s
